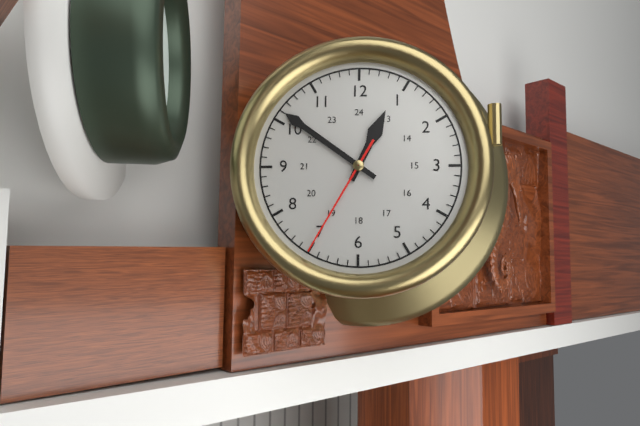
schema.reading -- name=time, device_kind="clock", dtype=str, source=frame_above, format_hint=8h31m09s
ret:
12h51m35s
